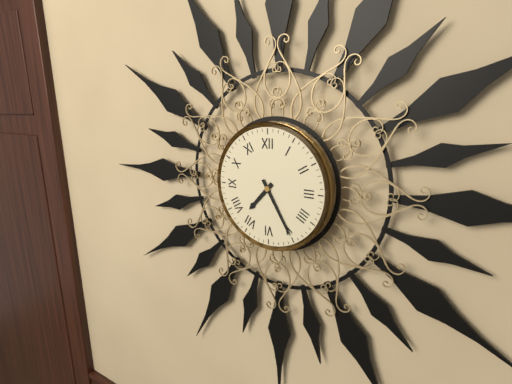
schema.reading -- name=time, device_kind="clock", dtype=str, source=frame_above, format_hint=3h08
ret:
7h25
